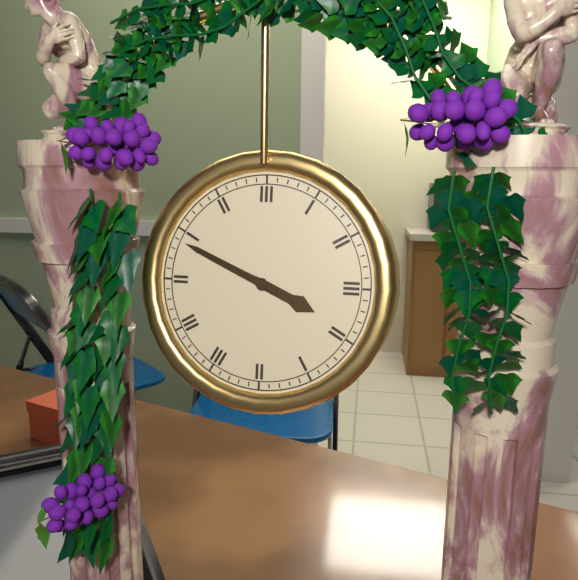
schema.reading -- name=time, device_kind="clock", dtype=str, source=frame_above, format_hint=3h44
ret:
3h49
